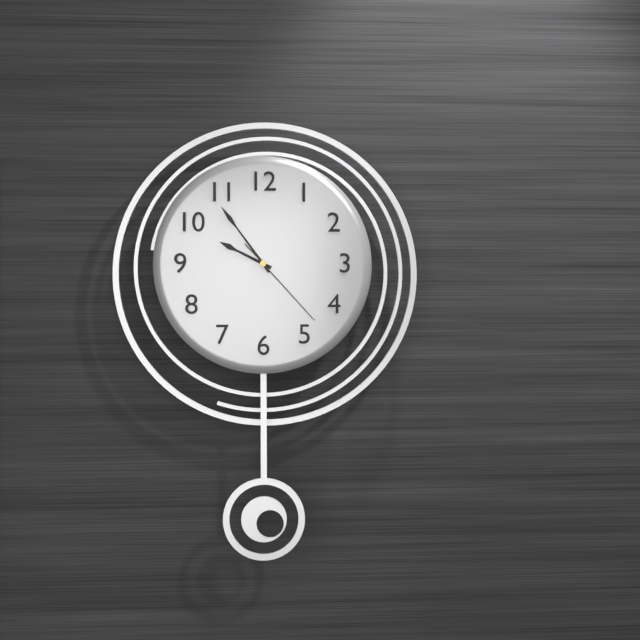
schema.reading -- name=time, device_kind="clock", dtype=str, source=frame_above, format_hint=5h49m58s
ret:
9h54m23s
